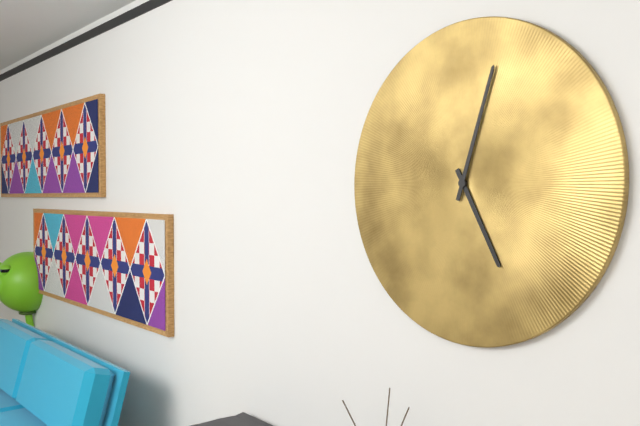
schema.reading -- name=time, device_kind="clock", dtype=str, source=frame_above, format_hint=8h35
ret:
5h03
